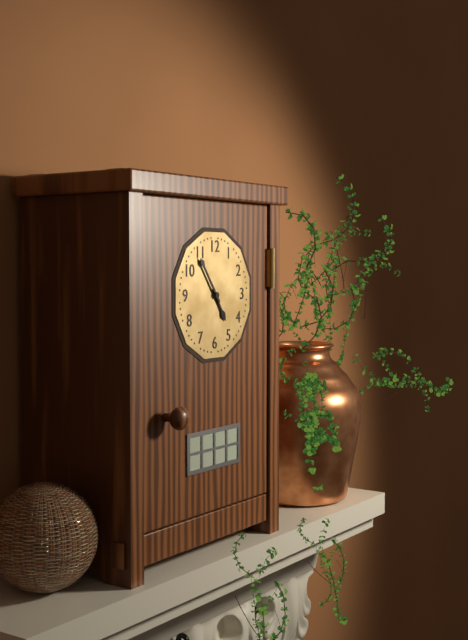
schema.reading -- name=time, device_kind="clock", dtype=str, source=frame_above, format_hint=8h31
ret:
4h54
